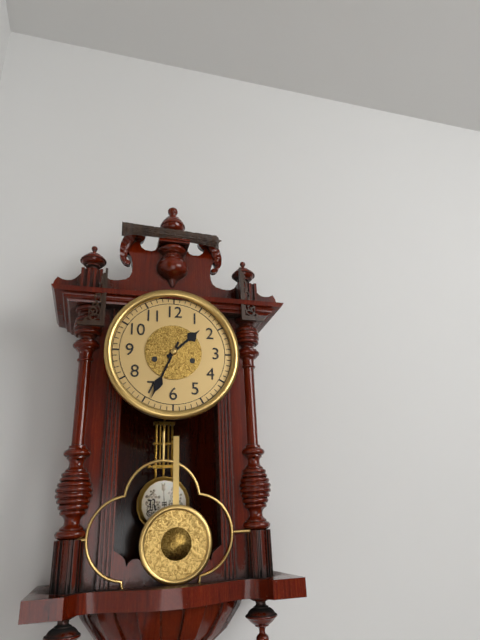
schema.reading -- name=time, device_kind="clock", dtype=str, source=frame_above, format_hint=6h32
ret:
1h34
